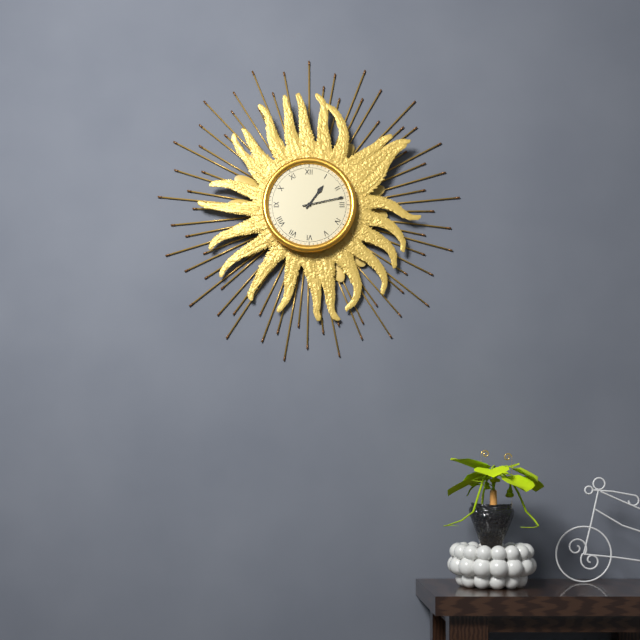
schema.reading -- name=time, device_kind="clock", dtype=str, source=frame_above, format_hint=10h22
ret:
1h13
